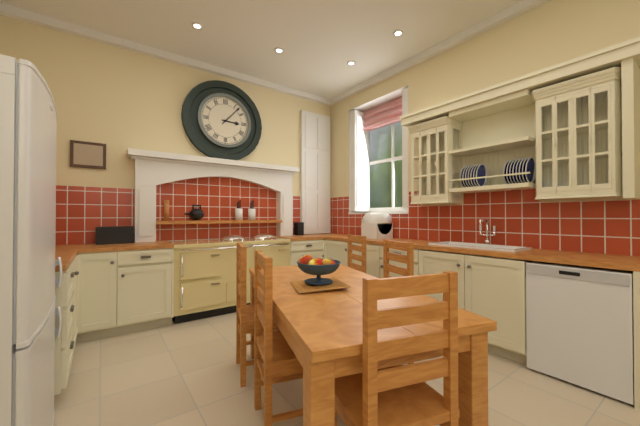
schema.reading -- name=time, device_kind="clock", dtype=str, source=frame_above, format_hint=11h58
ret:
3h07
